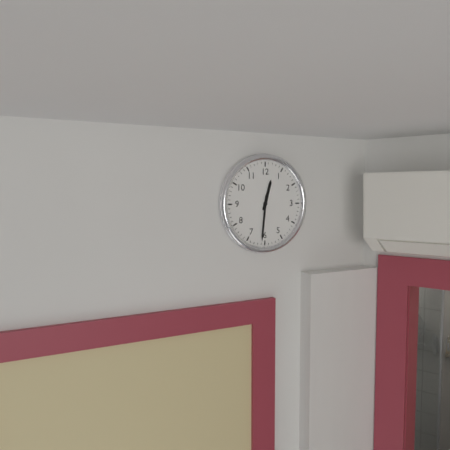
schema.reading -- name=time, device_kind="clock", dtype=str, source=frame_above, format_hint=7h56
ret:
12h31
